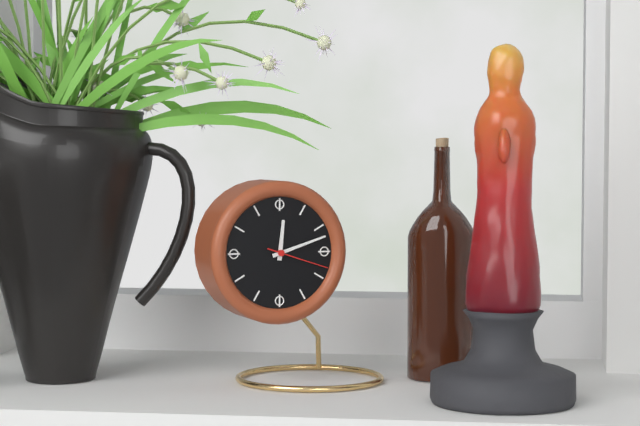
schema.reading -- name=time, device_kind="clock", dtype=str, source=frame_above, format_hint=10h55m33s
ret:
12h12m18s
